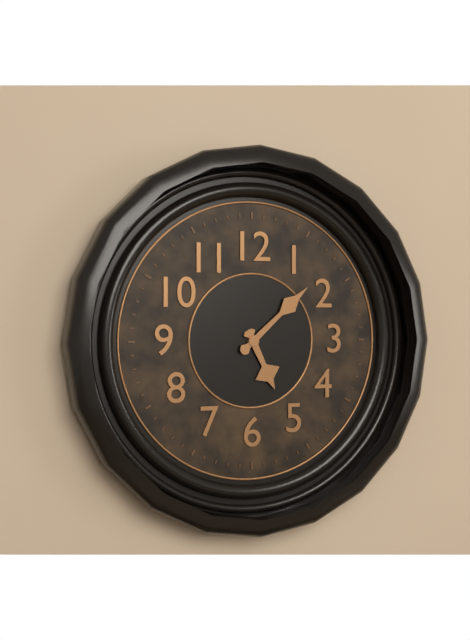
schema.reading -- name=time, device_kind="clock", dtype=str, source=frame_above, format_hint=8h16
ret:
5h08
